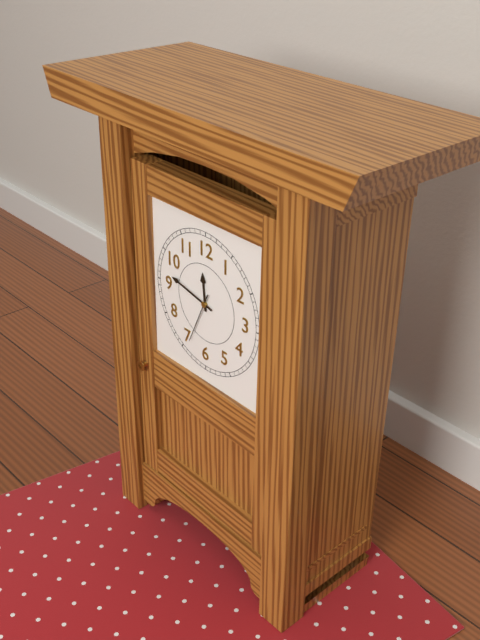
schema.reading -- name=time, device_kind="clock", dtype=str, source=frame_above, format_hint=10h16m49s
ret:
11h47m34s
